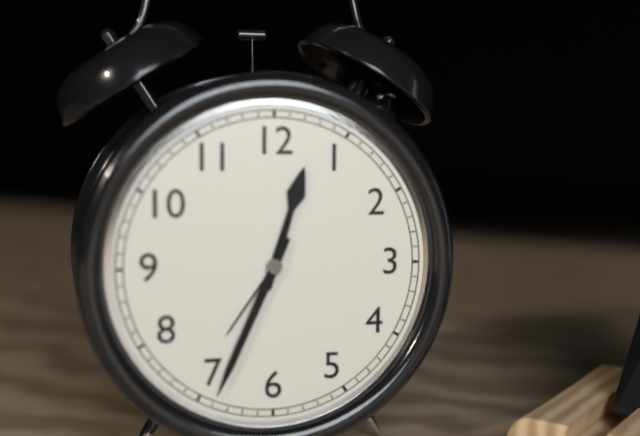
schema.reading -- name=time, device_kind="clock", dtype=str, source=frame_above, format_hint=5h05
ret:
12h34
